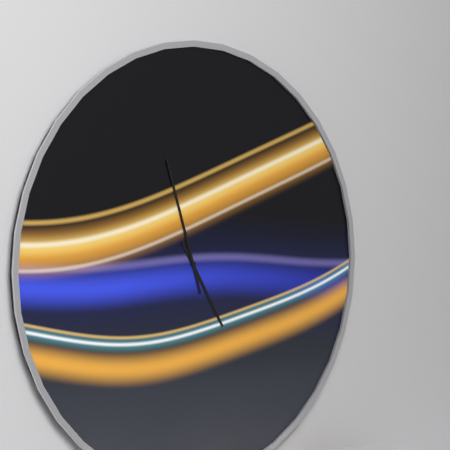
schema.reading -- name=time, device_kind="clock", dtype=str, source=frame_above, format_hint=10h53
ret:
4h57
